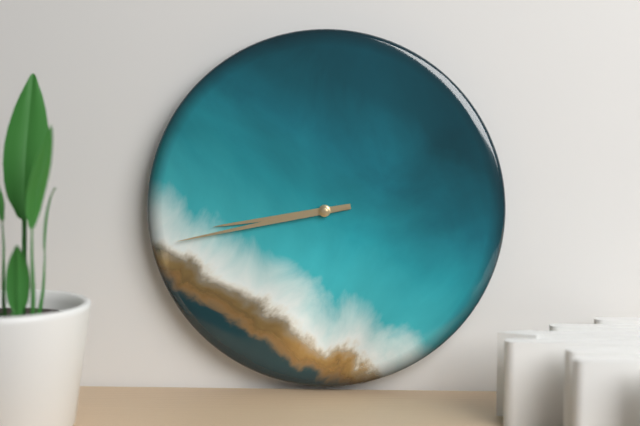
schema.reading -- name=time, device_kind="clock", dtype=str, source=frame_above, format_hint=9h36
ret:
8h43
